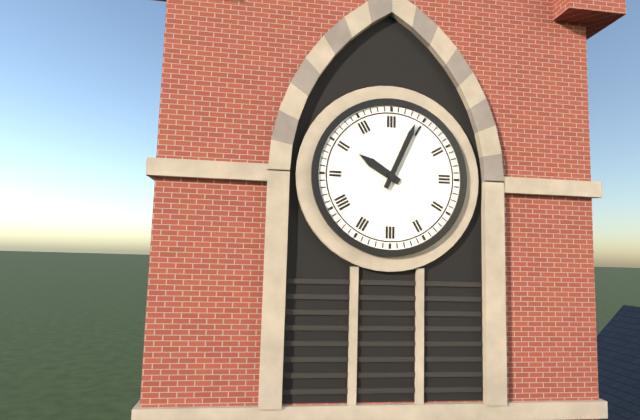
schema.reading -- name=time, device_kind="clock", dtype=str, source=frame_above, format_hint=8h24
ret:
10h04
